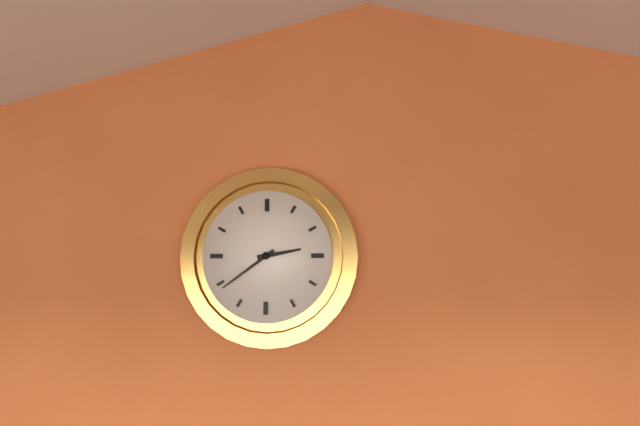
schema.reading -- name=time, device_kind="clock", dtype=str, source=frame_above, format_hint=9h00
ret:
2h39
